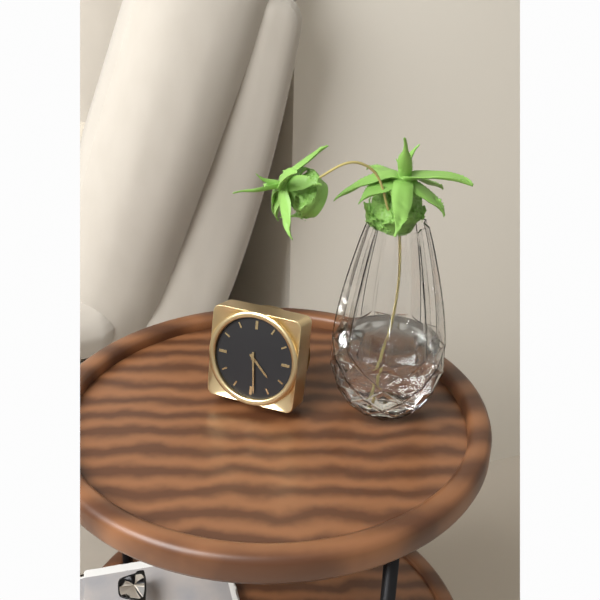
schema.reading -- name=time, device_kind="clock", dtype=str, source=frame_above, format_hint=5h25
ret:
4h29
